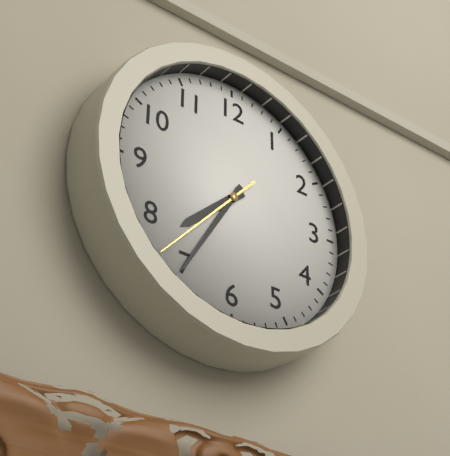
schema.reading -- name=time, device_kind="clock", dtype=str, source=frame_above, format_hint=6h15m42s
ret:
7h35m37s
